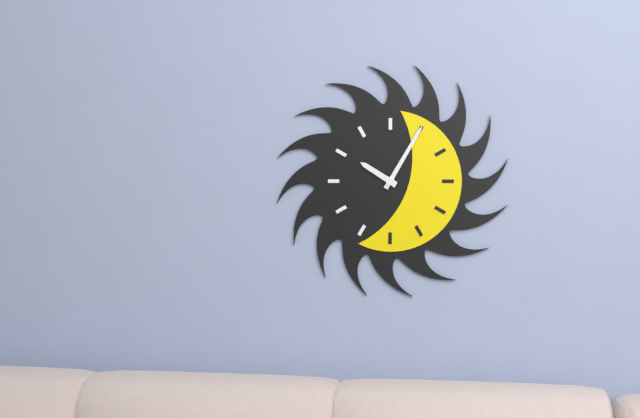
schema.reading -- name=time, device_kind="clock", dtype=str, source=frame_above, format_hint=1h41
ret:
10h05
